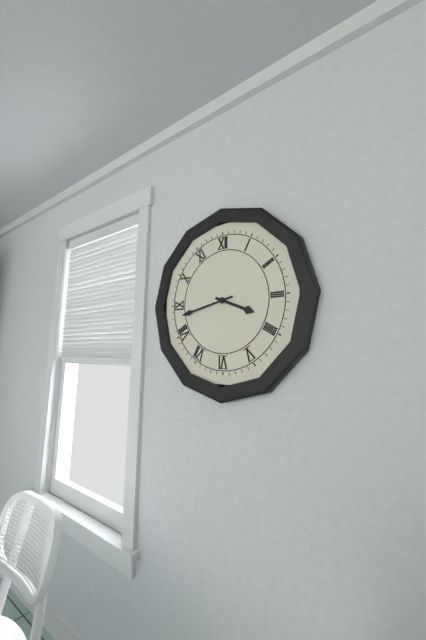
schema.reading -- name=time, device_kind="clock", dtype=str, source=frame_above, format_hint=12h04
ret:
3h43
